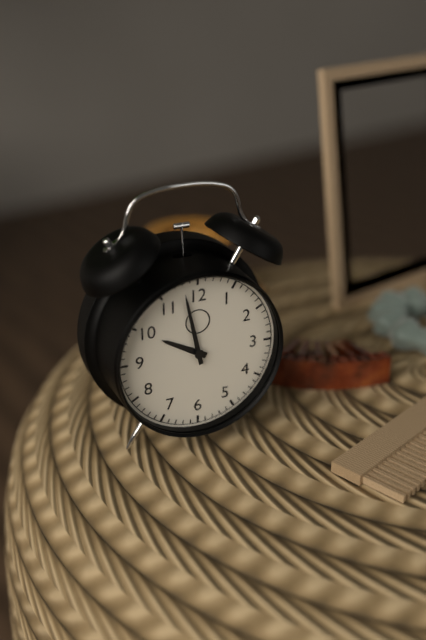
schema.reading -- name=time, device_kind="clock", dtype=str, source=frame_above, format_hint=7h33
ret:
9h58
